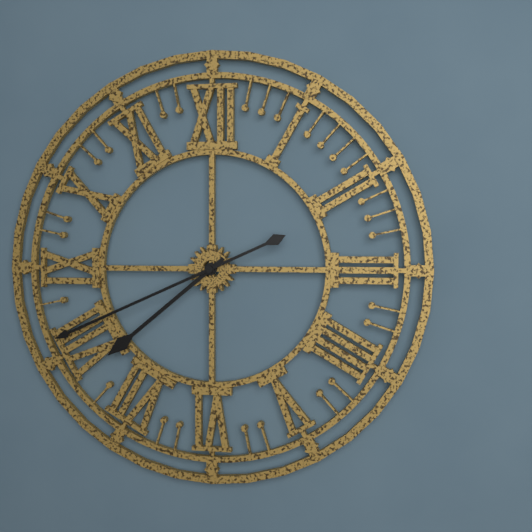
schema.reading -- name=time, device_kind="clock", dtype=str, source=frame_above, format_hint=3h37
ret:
7h41
